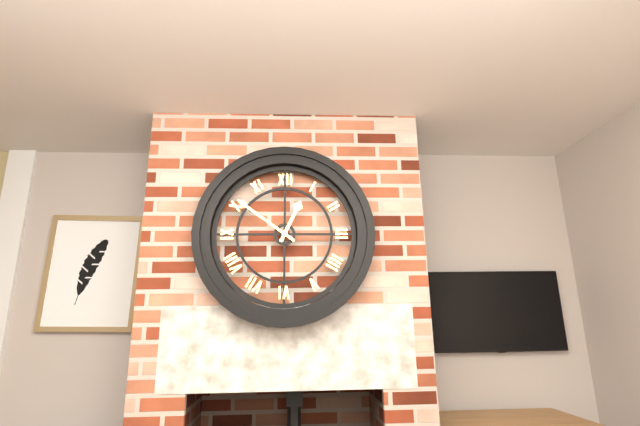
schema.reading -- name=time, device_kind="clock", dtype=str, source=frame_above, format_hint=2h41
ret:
12h51
